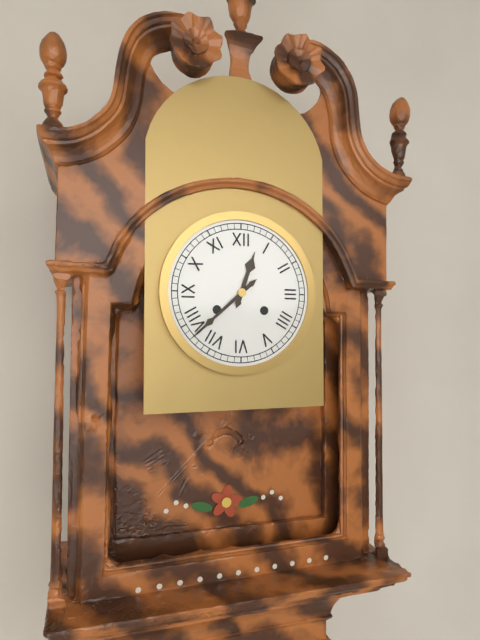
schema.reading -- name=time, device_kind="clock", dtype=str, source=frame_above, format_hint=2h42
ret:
12h38
